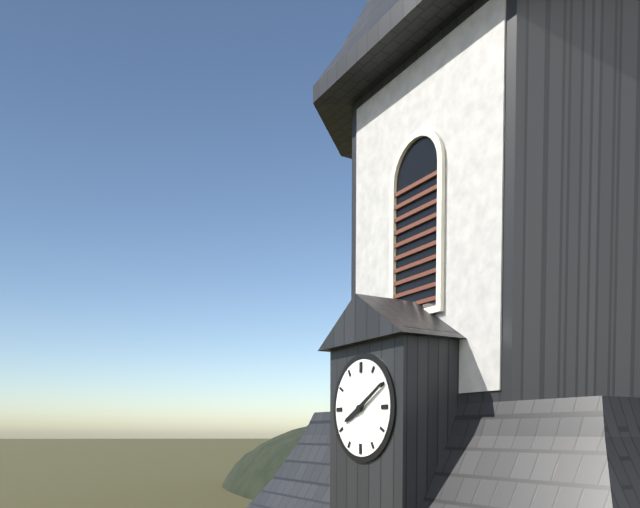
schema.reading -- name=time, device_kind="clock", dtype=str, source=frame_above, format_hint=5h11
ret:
8h10
